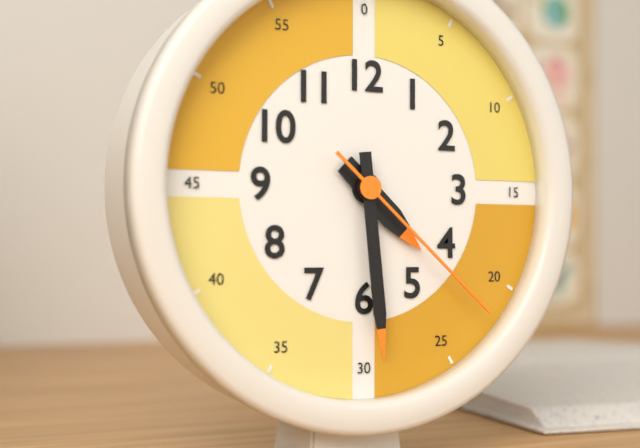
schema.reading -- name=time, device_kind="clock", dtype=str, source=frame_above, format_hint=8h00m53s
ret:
4h29m22s
